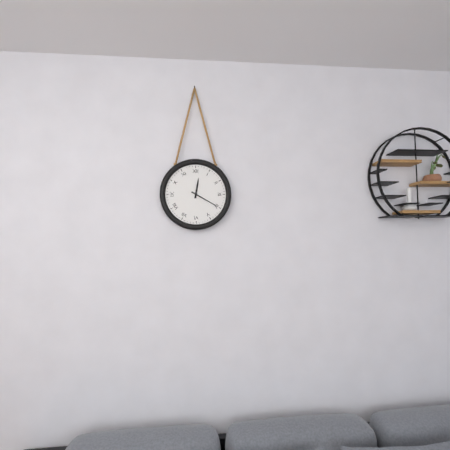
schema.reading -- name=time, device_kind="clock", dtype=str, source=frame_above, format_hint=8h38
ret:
12h20
